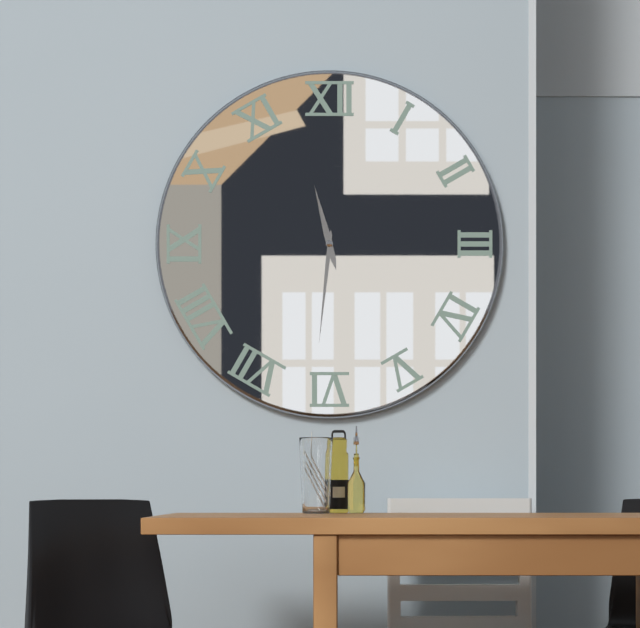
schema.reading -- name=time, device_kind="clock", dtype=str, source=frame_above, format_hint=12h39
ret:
11h31
